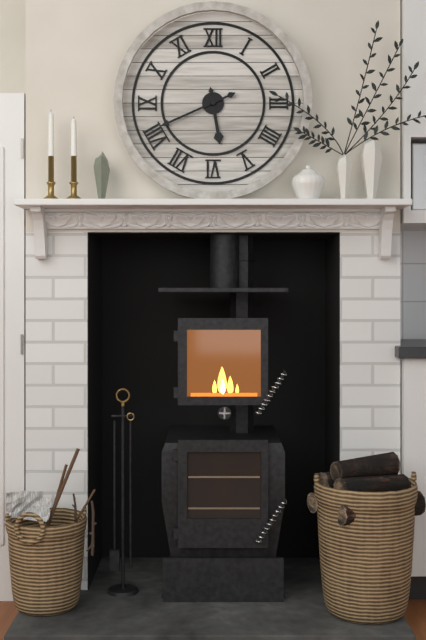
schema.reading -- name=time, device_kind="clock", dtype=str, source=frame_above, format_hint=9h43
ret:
5h41
